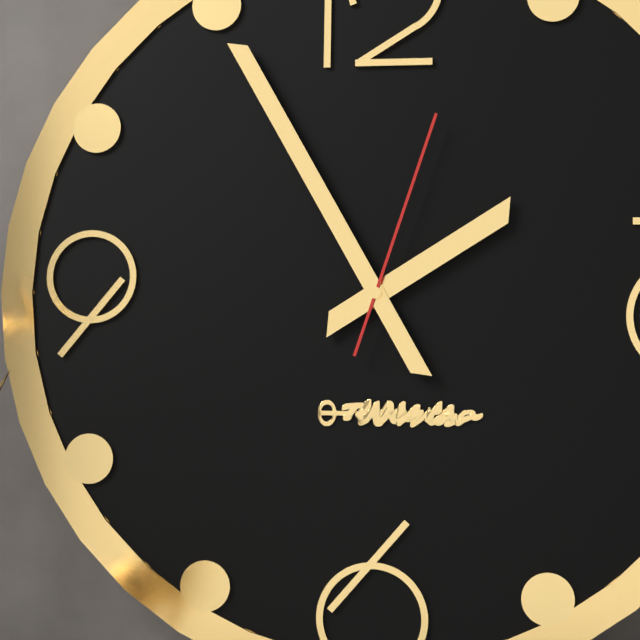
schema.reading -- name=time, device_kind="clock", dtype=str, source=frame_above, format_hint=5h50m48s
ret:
1h55m03s
